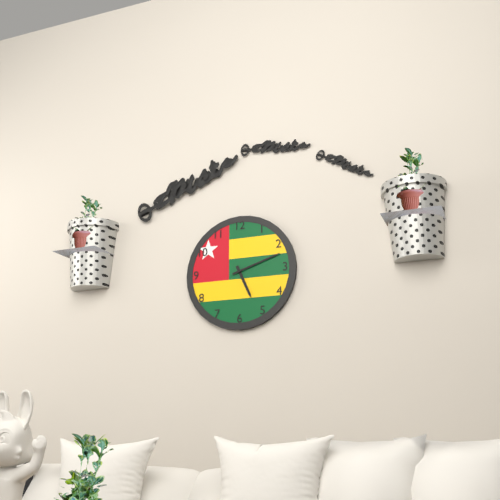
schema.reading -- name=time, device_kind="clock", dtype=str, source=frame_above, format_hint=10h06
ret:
5h12
